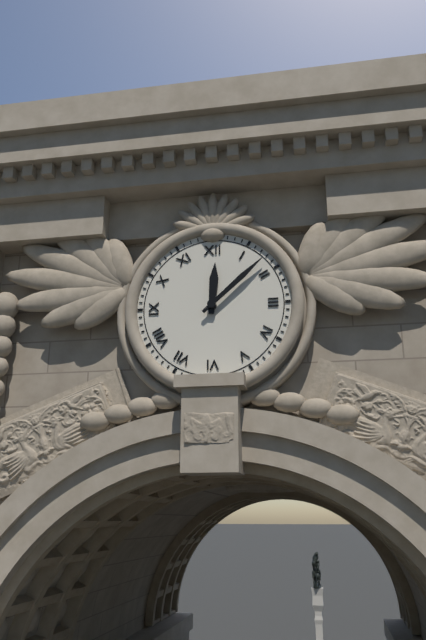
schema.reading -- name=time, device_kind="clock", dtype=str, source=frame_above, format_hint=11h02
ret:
12h08
